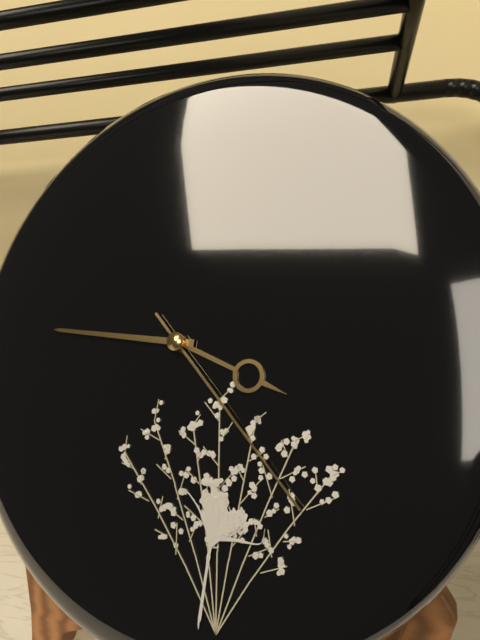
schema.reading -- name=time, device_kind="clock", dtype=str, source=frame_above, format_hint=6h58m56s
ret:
3h46m23s
